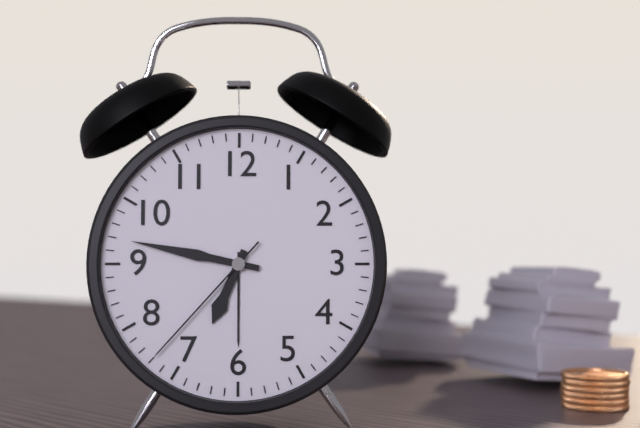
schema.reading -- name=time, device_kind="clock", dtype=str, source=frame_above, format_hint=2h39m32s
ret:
6h47m37s
